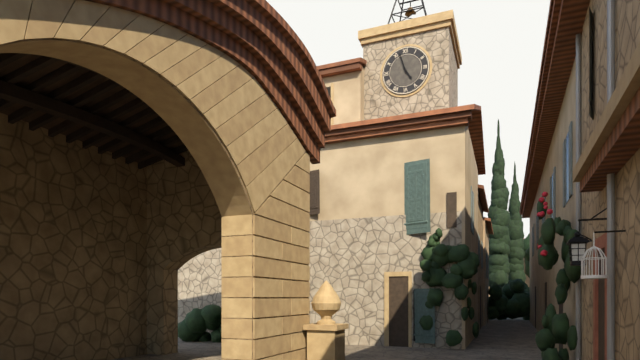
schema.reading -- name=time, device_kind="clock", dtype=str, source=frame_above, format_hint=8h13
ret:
4h57
